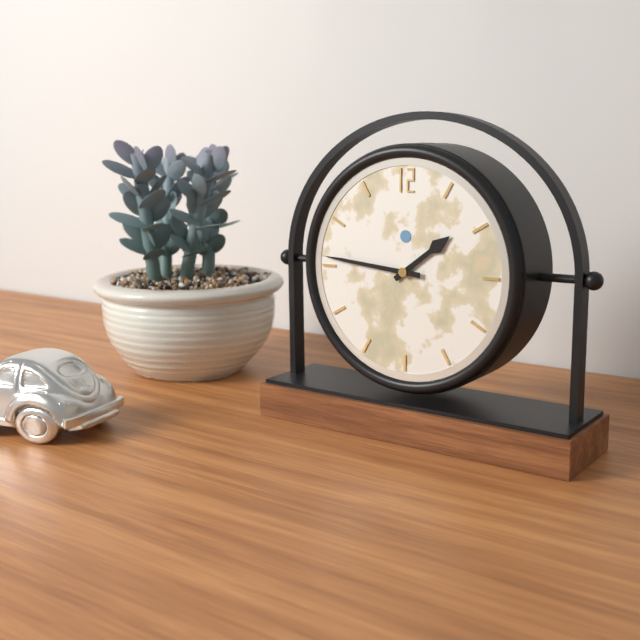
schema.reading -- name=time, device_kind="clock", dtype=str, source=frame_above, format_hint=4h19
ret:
1h46
